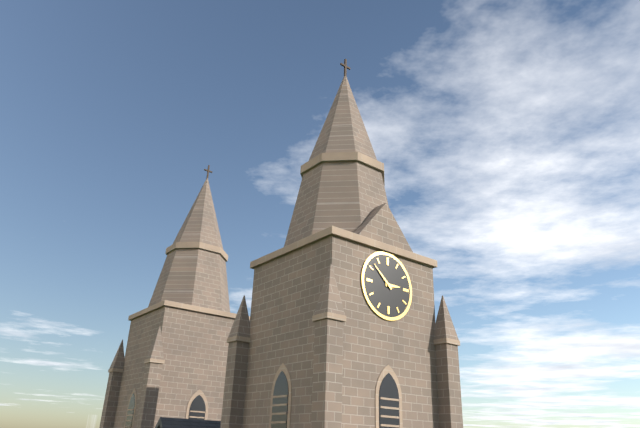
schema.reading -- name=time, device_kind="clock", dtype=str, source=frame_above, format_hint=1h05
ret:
2h52
